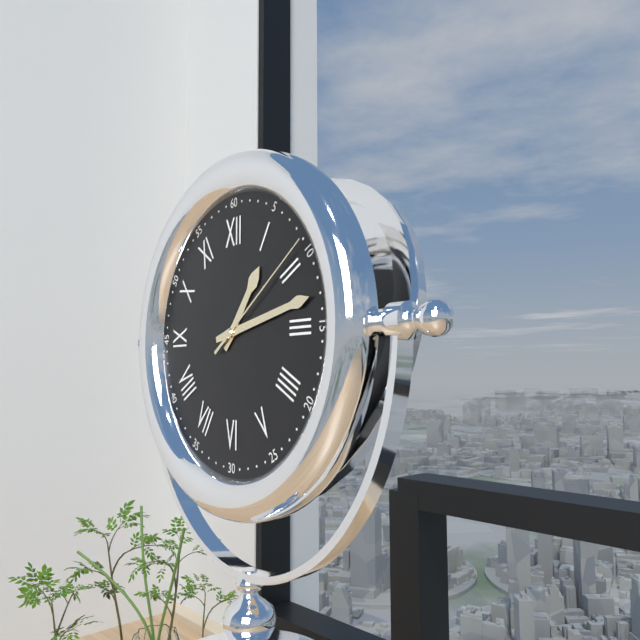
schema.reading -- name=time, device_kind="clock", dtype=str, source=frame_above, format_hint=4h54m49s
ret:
1h13m09s
